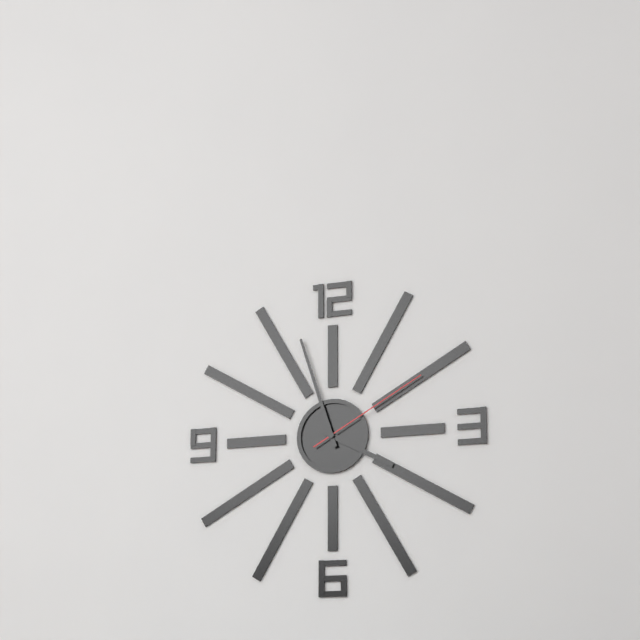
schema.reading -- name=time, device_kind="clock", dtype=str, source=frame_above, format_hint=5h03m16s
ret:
3h57m10s
